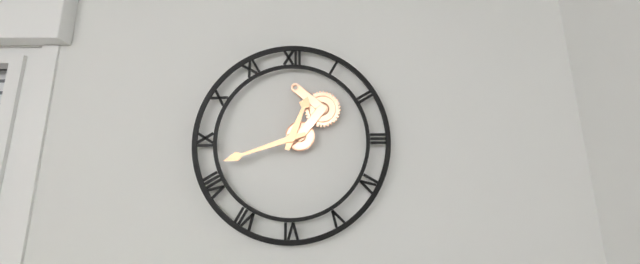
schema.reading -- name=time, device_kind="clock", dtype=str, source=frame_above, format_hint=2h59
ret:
12h42
